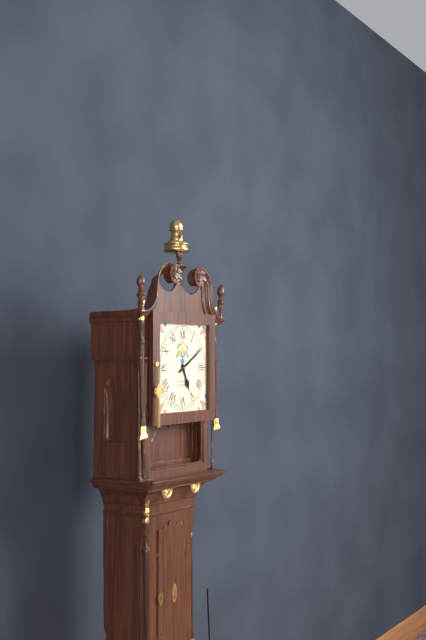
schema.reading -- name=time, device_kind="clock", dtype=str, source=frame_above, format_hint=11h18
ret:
5h10
